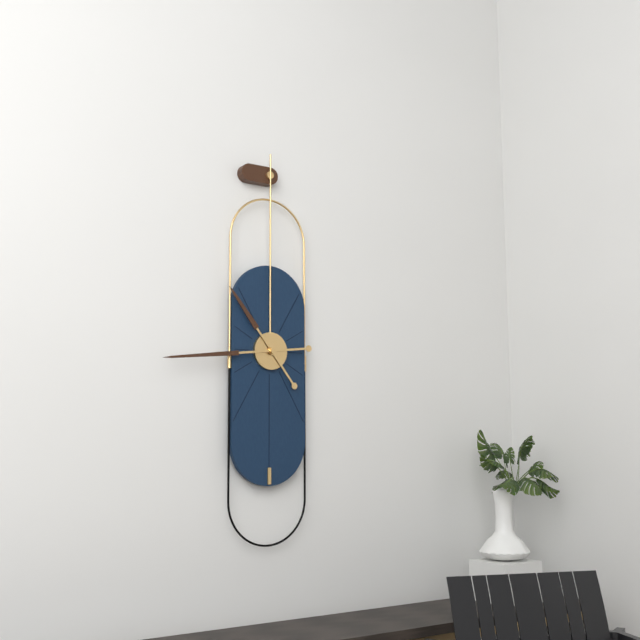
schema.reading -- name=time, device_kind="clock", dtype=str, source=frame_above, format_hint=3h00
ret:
10h44
